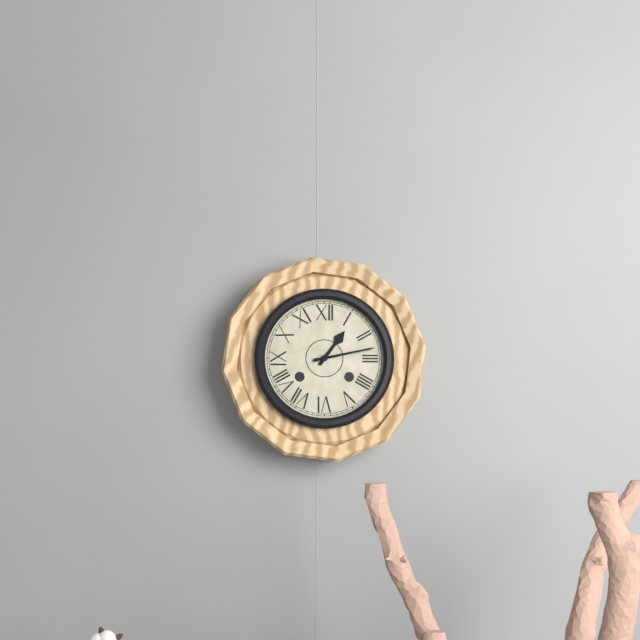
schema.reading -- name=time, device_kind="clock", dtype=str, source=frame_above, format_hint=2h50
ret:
1h13
